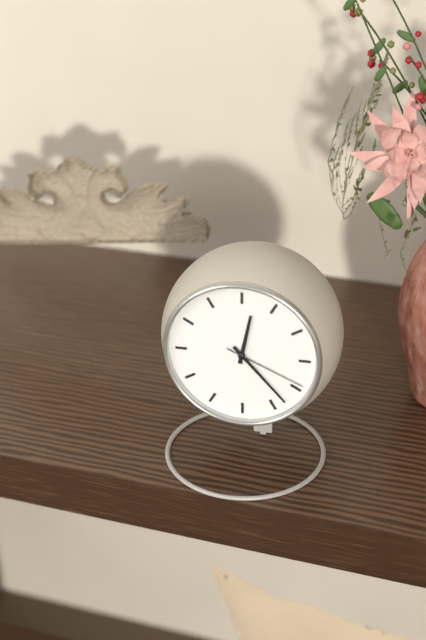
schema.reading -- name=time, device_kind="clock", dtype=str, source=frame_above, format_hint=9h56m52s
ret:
12h23m19s
